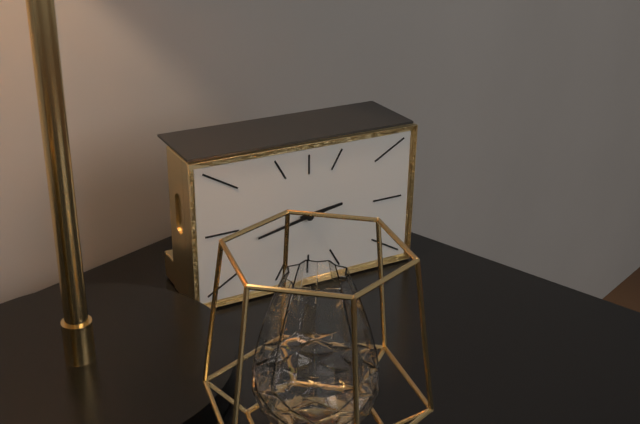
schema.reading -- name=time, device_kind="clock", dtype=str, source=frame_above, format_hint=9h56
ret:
2h43
